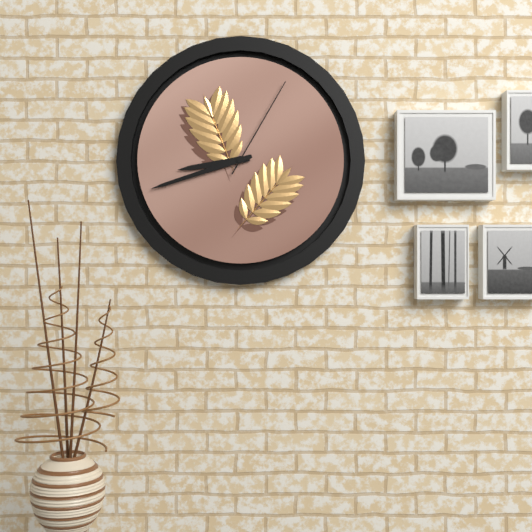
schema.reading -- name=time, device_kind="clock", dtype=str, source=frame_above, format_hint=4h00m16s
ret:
8h42m05s
